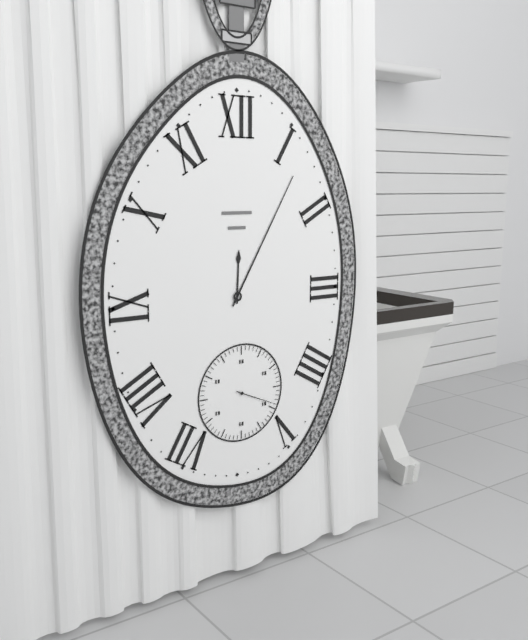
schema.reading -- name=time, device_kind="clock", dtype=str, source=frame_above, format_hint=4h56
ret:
12h05
